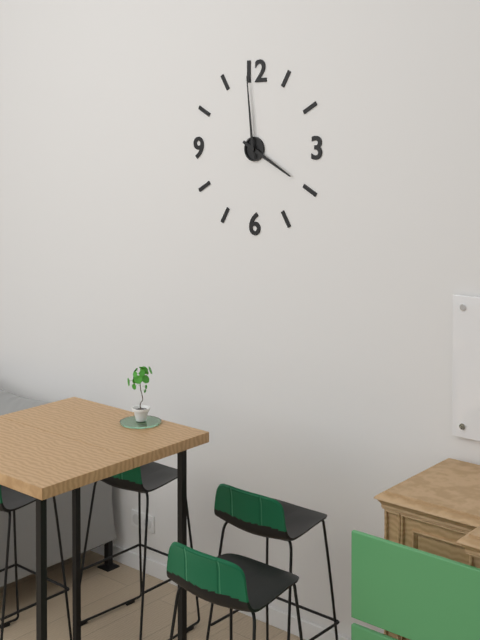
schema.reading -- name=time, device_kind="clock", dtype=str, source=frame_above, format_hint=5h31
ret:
3h59
